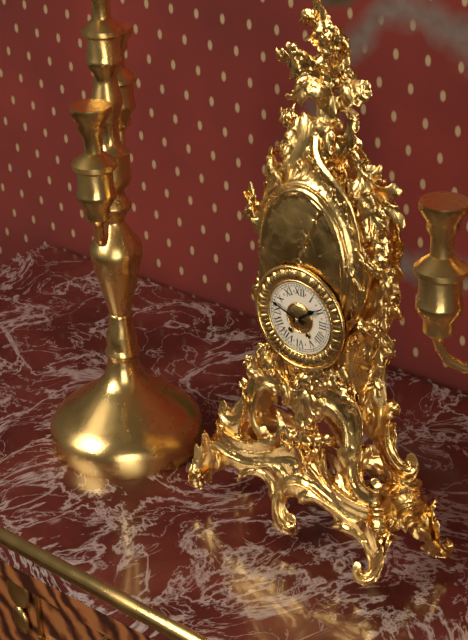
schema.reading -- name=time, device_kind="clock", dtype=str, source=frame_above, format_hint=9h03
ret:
1h48
